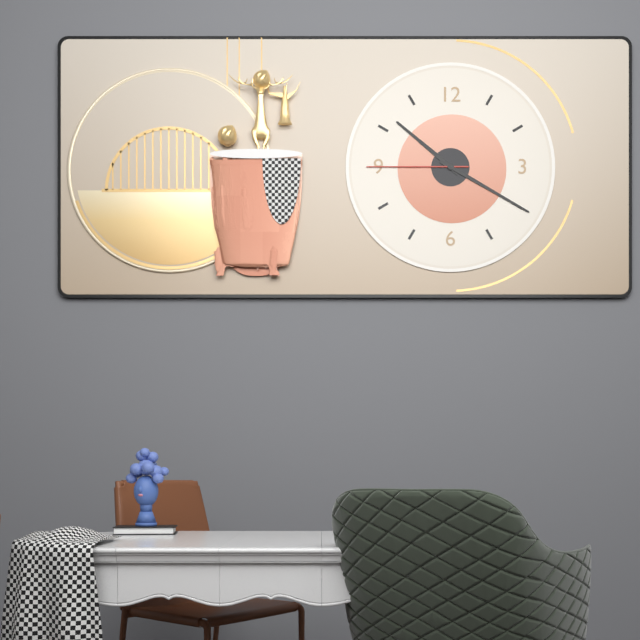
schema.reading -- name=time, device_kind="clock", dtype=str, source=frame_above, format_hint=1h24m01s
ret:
10h20m45s
